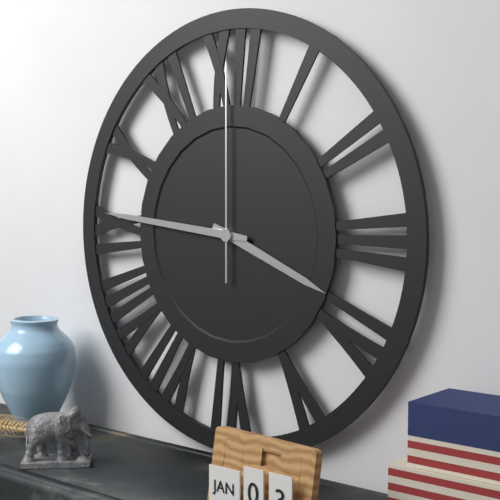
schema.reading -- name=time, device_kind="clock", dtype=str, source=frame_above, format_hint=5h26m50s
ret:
3h46m00s
